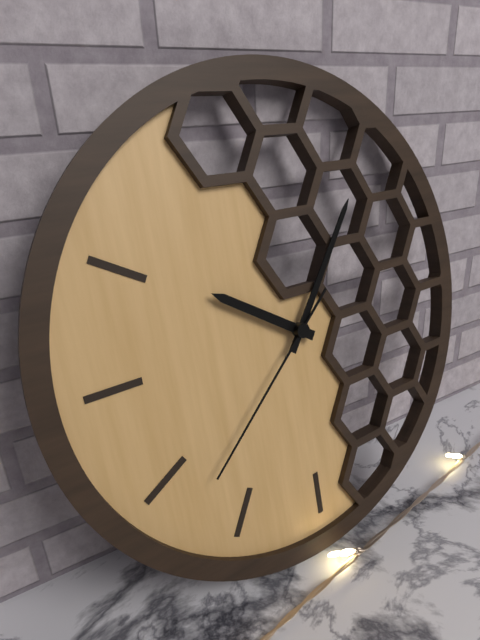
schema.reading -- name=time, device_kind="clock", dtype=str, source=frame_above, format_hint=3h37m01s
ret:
10h06m38s
